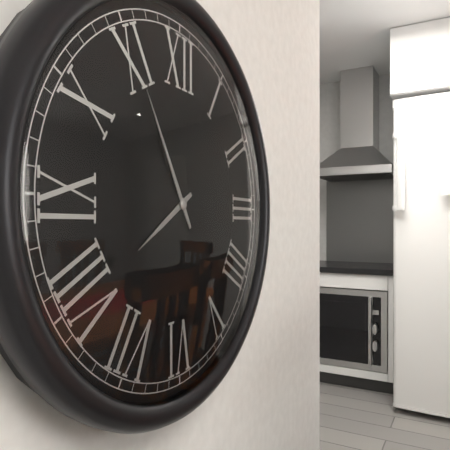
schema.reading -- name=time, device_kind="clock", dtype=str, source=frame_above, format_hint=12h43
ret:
7h55
